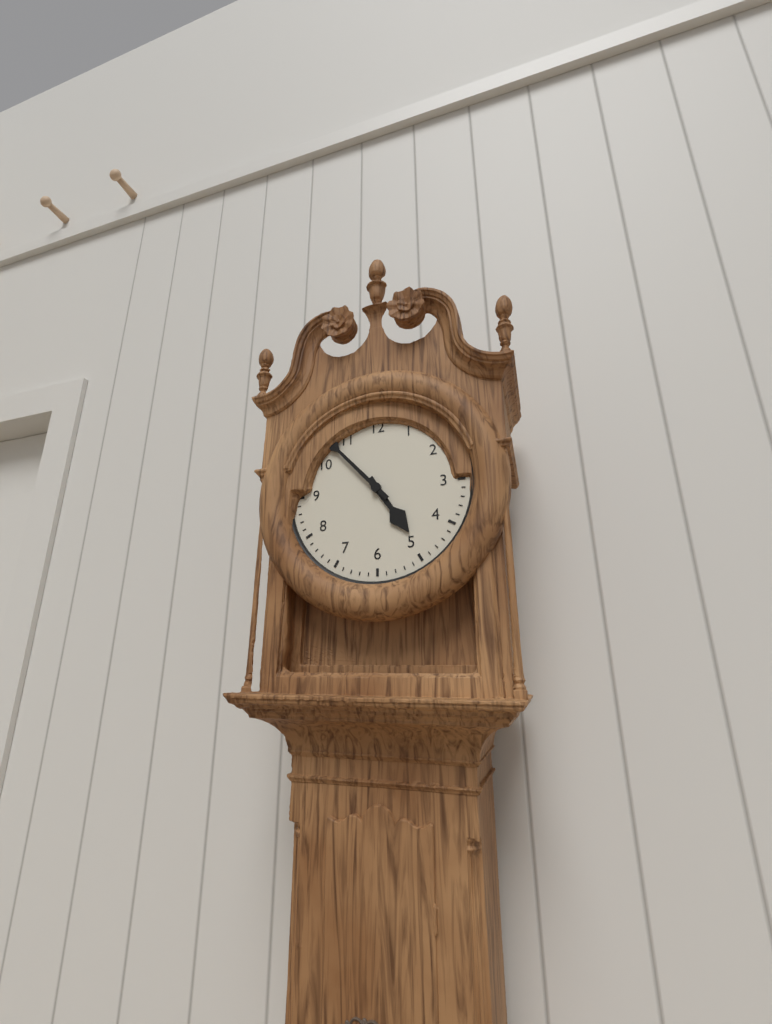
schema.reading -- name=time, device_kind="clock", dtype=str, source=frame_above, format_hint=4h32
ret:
4h53
